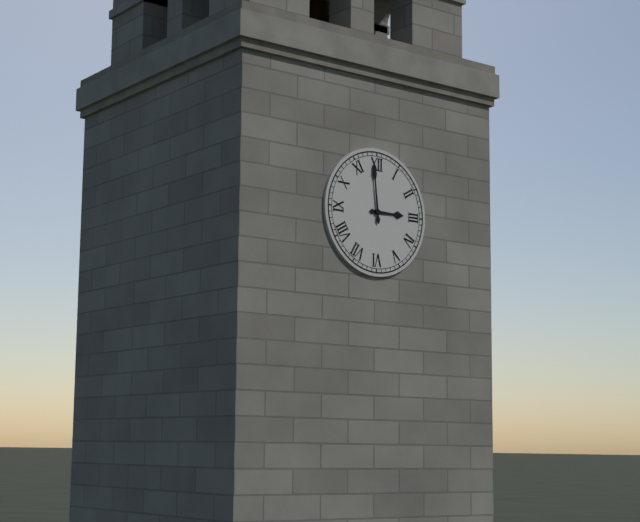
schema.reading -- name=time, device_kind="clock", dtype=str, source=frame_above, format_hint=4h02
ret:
2h59
